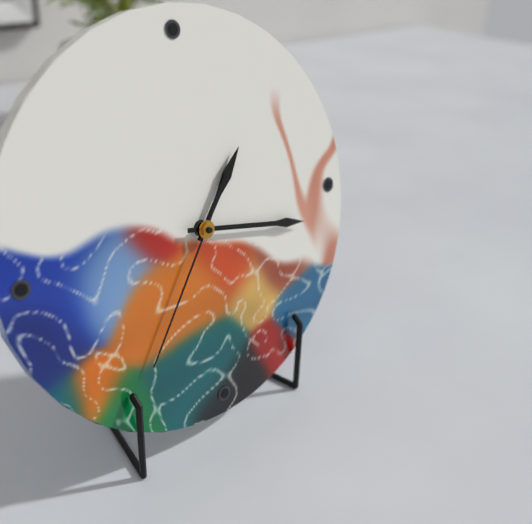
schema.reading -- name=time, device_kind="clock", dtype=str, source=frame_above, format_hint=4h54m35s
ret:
1h17m36s
